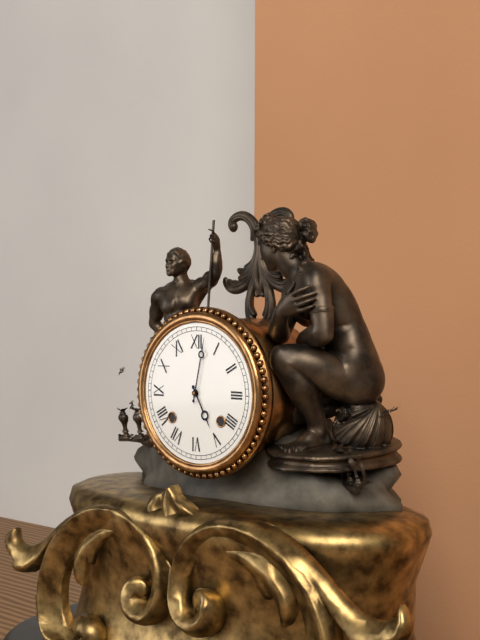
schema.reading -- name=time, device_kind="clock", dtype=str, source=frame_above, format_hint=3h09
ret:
5h02
